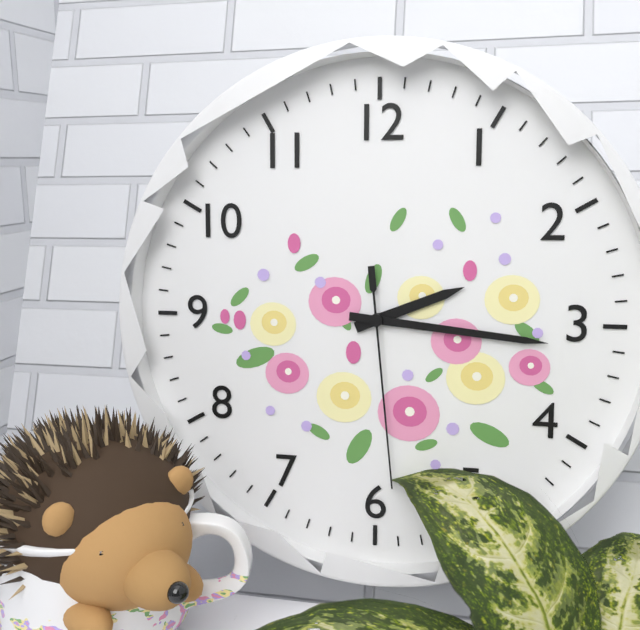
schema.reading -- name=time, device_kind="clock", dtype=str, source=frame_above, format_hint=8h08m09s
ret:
2h16m29s
